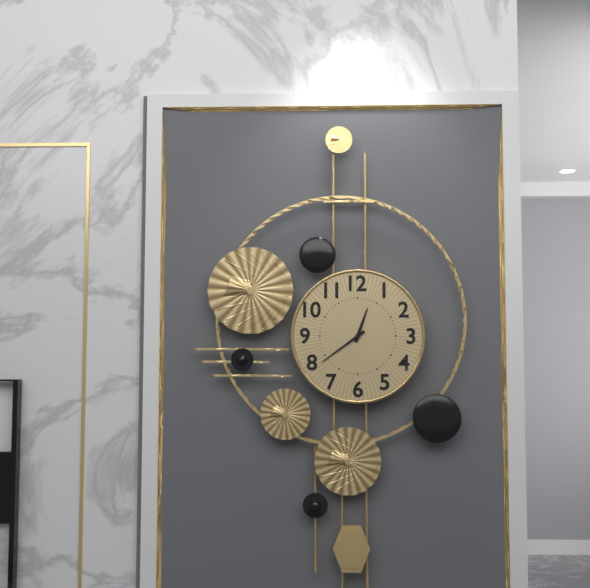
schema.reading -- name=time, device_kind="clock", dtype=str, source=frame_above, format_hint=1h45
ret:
12h39
